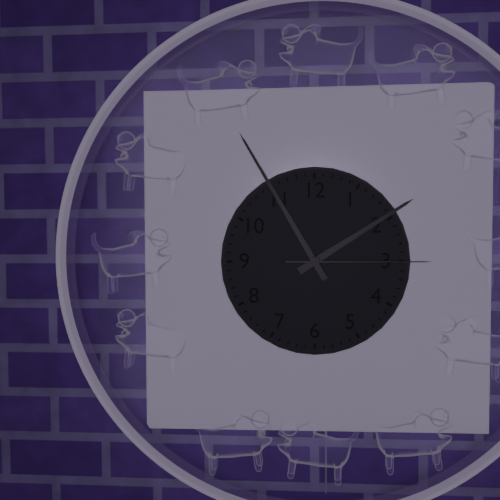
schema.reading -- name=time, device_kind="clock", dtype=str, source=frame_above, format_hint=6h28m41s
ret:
1h55m15s
